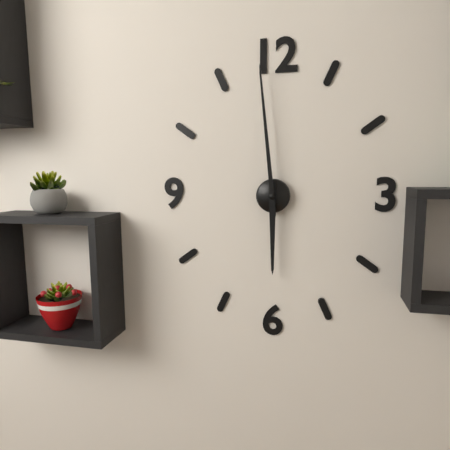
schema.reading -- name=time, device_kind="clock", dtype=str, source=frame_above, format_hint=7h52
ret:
5h59
